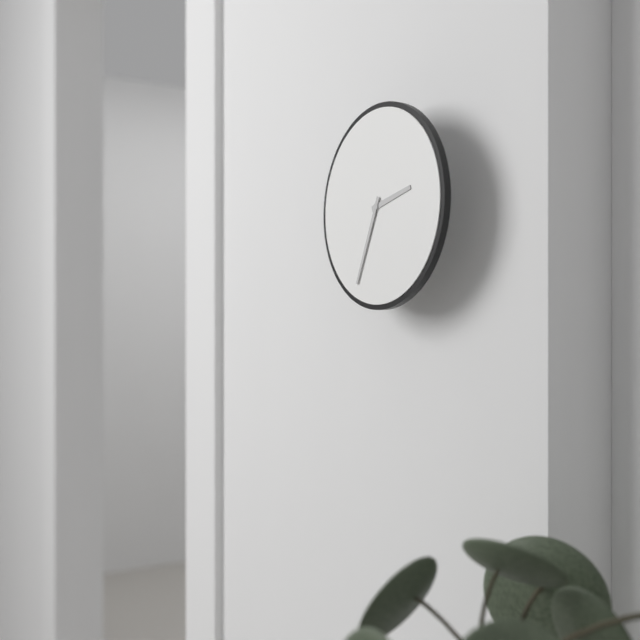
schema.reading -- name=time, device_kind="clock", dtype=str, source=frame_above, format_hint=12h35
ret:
2h34
